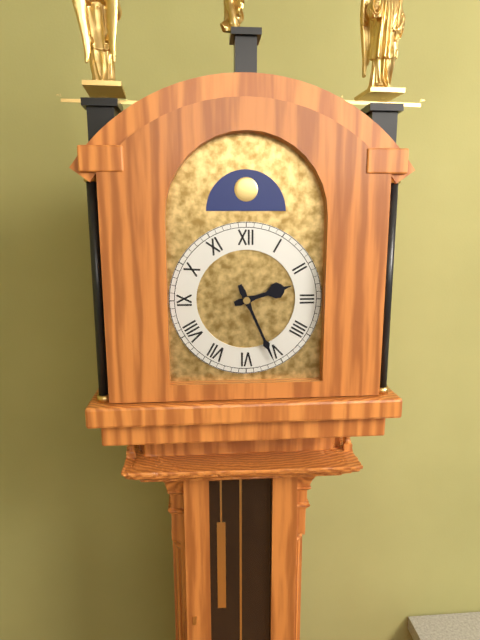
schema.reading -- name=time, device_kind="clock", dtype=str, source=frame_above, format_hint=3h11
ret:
2h26
